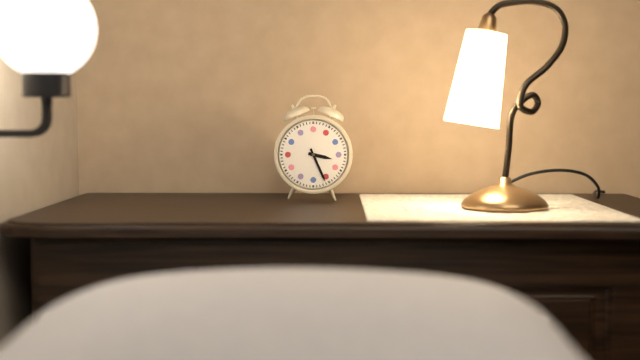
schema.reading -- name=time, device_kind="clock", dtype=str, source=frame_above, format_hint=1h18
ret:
3h26
